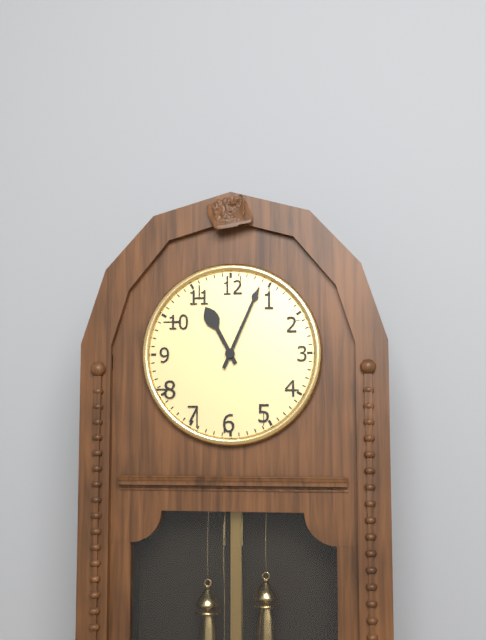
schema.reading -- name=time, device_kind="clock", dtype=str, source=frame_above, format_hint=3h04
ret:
11h04
